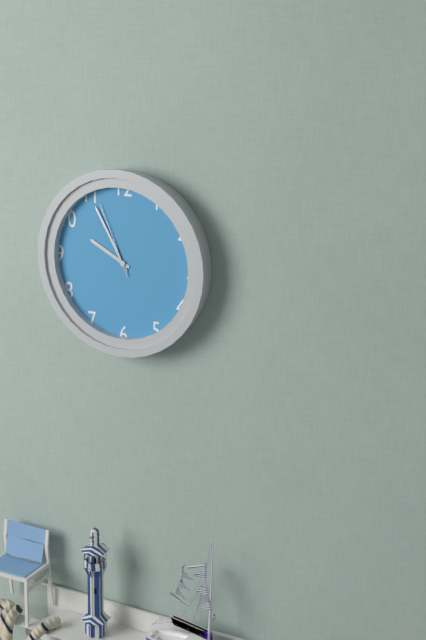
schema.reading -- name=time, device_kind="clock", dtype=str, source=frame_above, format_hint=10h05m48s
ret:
9h55m56s
